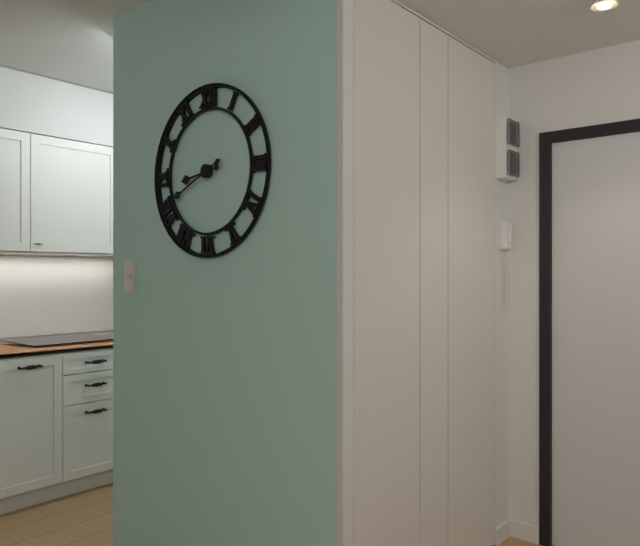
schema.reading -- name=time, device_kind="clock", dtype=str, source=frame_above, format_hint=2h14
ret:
8h41
